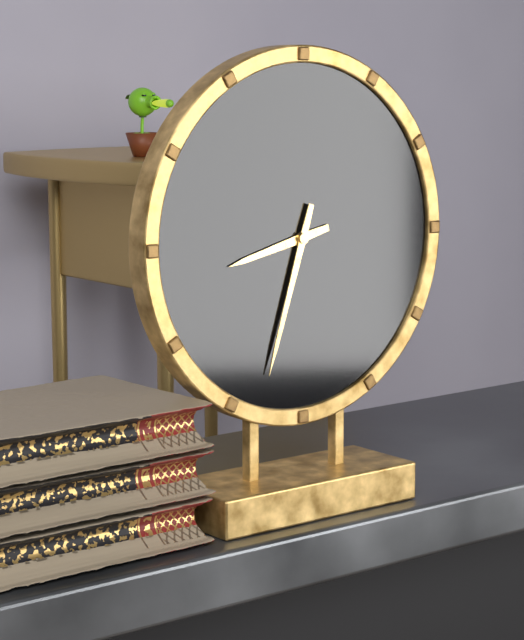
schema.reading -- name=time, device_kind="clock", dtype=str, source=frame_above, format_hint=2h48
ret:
8h33
